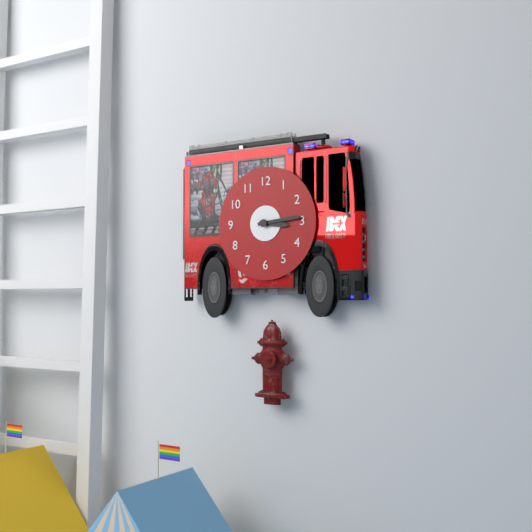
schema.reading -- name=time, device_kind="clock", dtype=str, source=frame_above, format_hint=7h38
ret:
3h14
